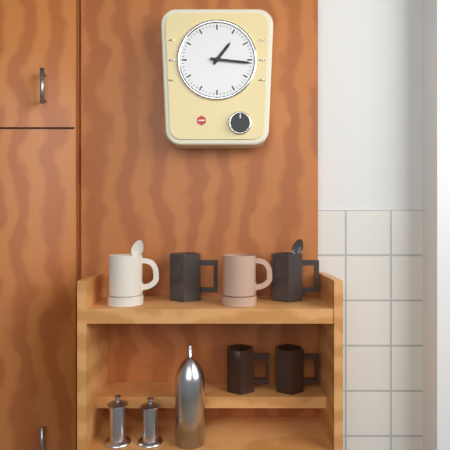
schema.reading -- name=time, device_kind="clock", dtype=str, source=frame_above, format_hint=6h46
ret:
1h16
